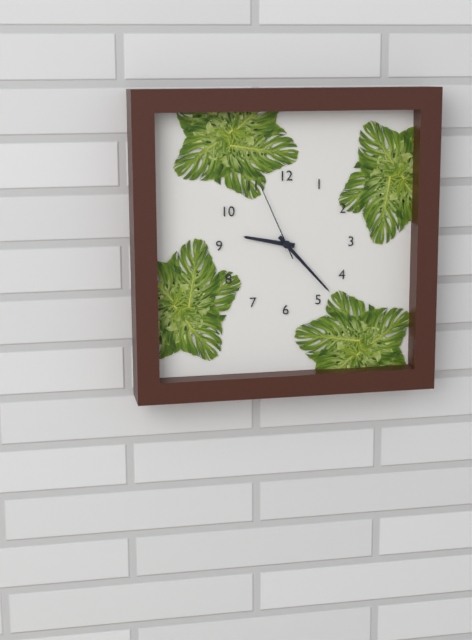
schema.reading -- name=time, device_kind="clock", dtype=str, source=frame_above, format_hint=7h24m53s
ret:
9h23m56s
